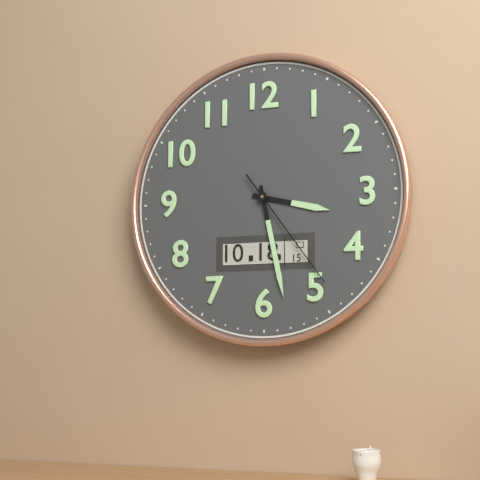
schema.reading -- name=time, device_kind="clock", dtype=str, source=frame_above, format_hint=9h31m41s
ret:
3h28m24s
